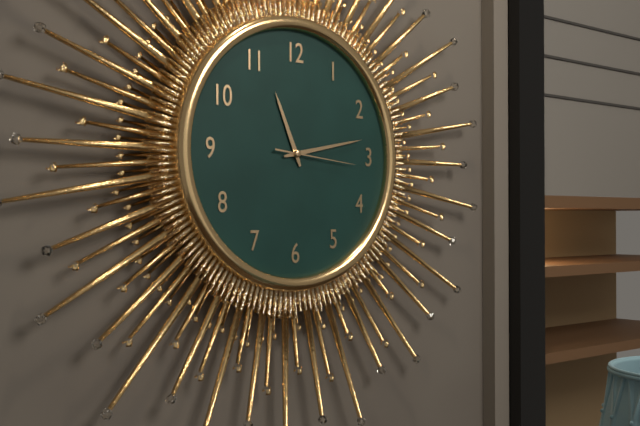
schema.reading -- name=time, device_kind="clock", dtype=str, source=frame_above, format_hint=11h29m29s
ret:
11h13m16s
